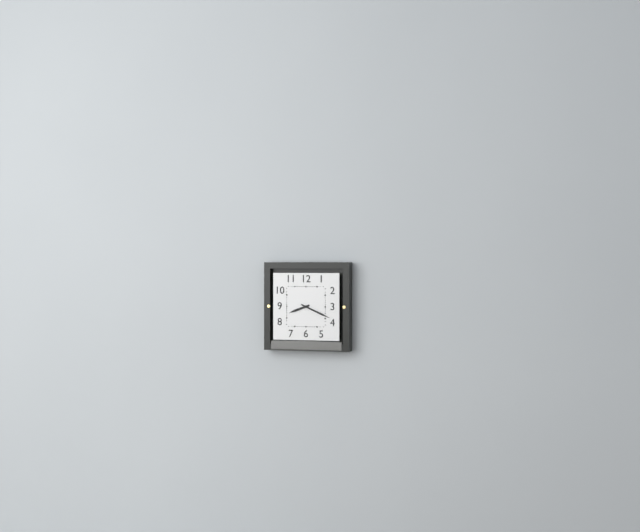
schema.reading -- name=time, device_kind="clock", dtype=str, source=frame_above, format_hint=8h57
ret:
8h19
